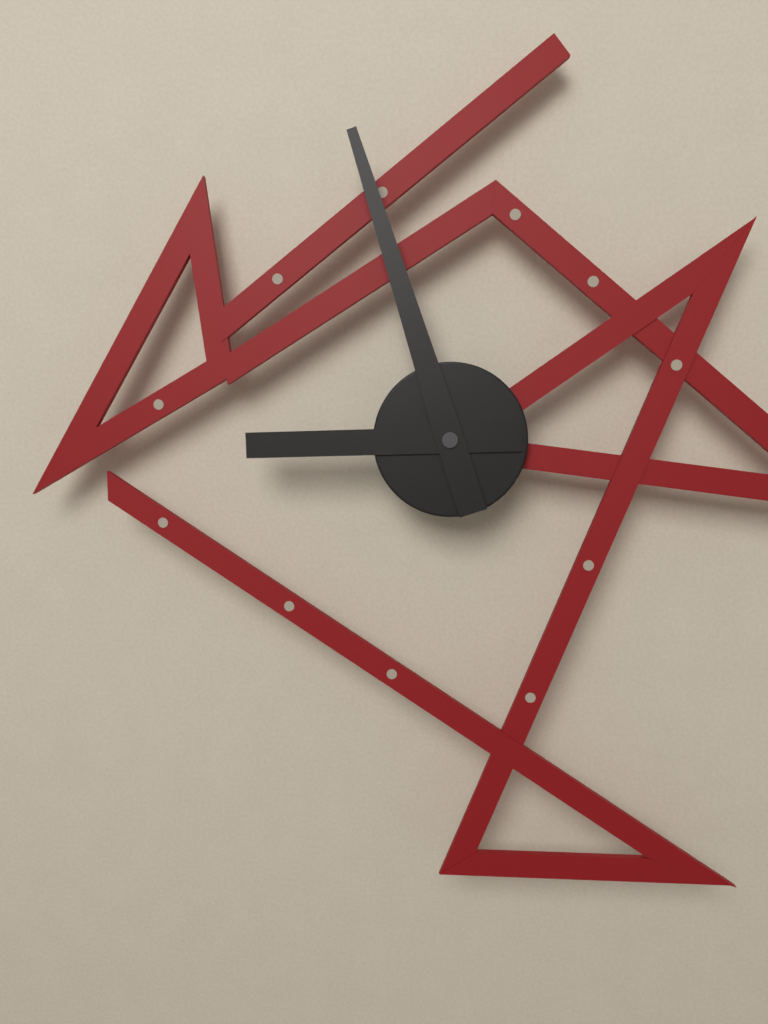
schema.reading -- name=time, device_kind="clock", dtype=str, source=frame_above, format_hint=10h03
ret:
8h57
